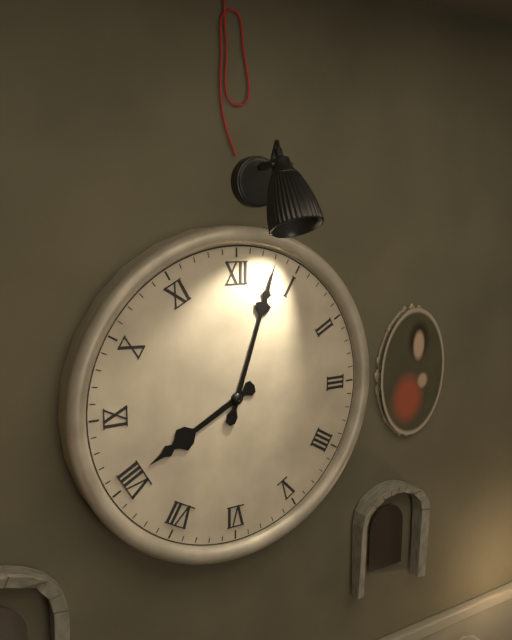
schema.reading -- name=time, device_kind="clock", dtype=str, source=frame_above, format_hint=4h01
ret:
8h03
